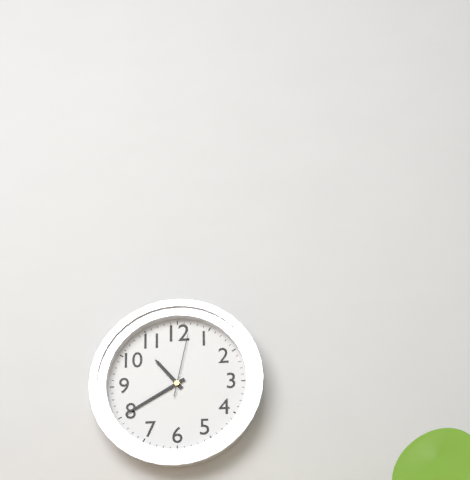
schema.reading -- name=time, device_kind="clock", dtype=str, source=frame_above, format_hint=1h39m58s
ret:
10h40m02s
